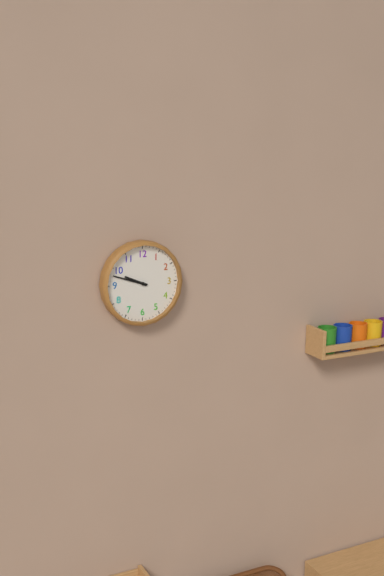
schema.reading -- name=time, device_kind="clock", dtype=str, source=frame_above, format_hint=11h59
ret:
9h48
